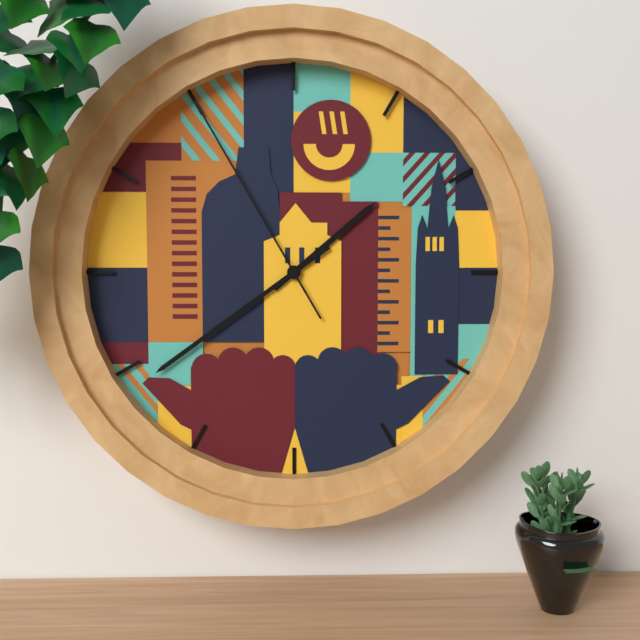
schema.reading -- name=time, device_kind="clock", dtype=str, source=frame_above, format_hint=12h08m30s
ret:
1h39m55s
